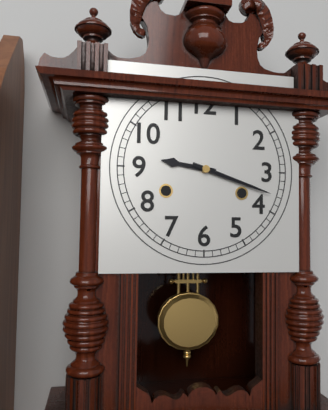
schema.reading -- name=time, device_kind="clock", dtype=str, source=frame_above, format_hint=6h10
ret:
9h18
